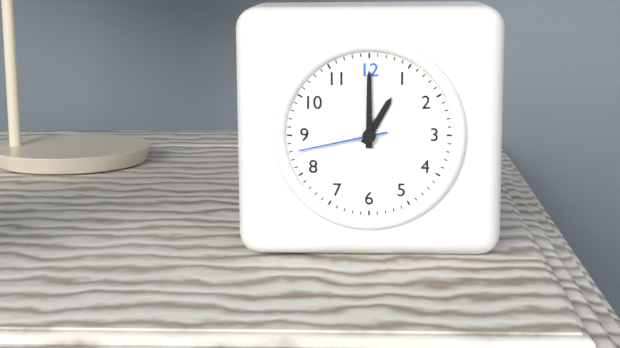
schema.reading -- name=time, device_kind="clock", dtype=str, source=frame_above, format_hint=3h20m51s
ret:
1h00m43s
